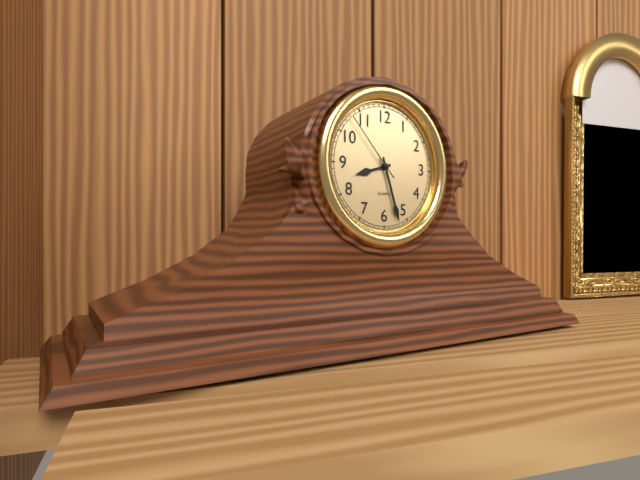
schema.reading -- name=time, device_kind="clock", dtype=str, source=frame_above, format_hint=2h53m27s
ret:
8h27m53s
